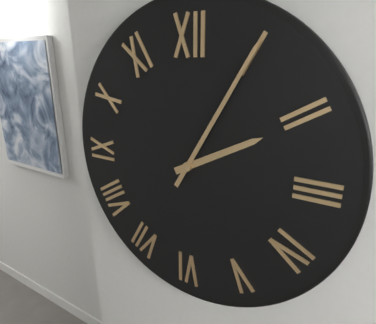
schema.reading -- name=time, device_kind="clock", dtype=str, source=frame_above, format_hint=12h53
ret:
2h05
